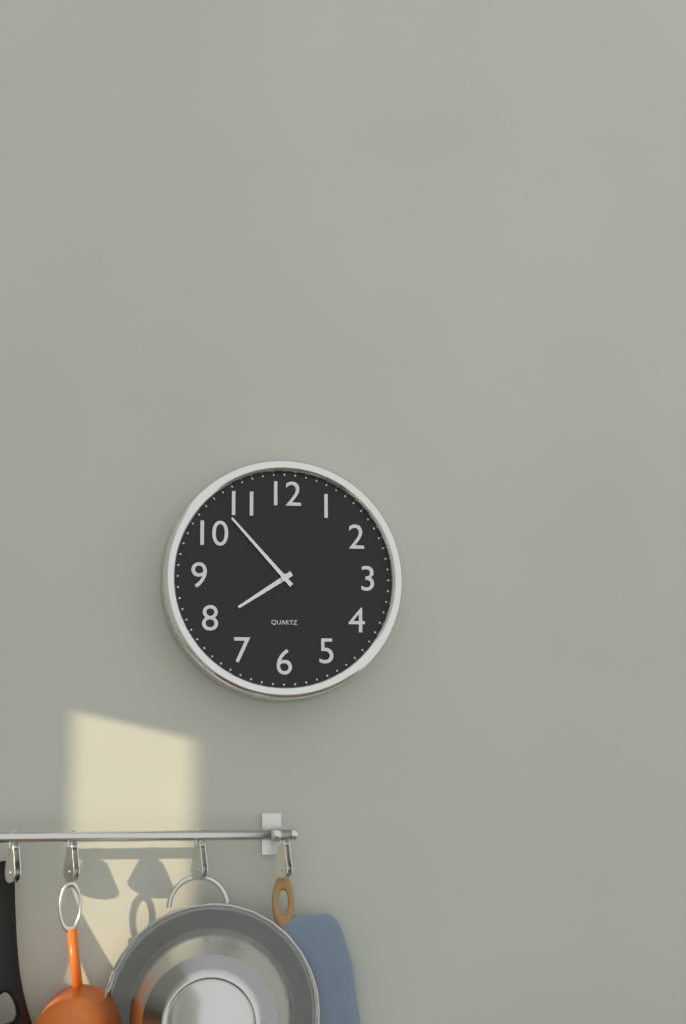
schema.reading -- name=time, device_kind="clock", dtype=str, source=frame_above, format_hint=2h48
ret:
7h53
